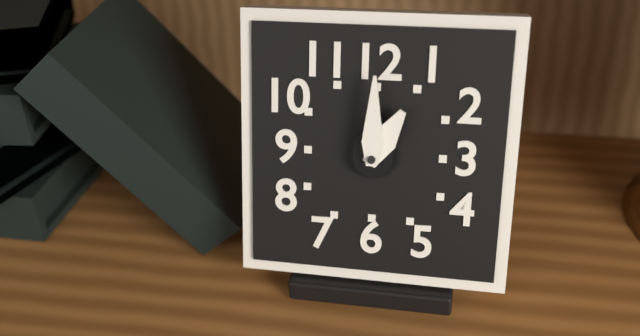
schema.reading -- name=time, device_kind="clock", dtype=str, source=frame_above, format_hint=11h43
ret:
1h00
